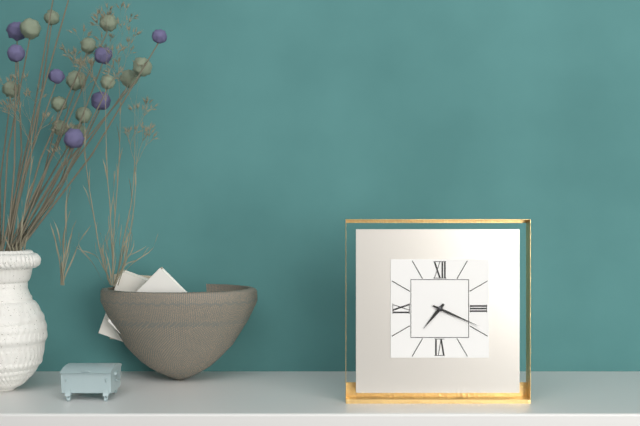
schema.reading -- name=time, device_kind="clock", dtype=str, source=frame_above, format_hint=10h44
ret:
7h19
